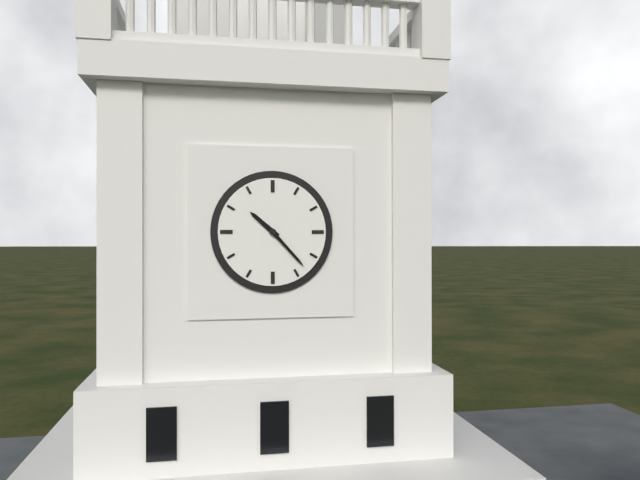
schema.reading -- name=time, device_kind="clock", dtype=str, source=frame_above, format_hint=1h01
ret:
10h23
